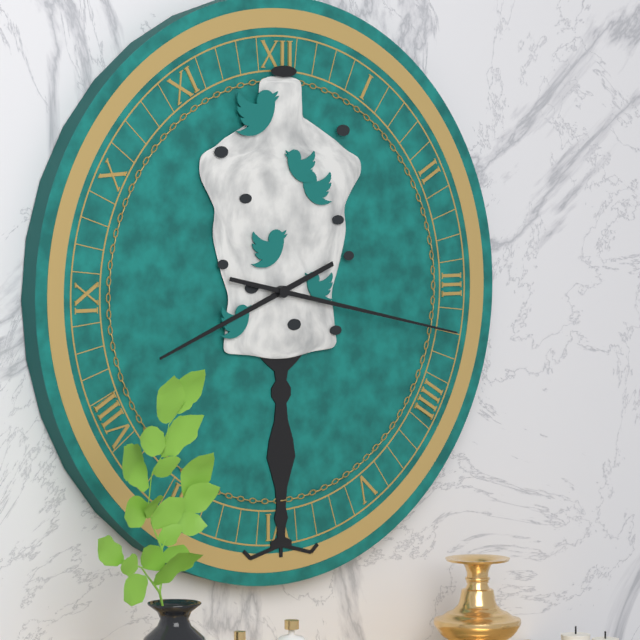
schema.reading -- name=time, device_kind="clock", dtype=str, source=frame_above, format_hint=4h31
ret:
8h17
